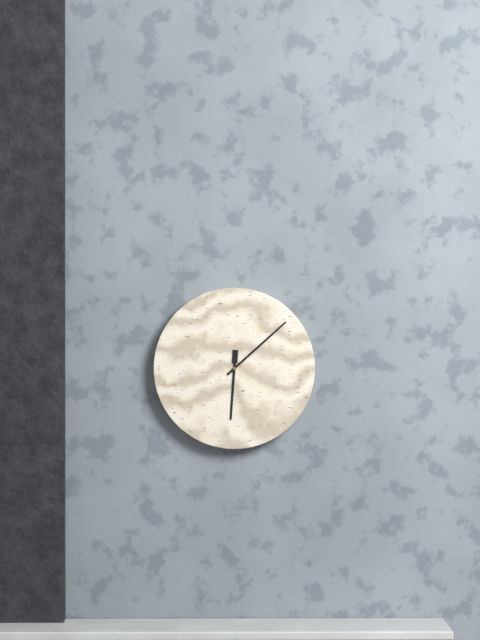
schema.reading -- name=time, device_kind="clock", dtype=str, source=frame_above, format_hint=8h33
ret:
6h08
